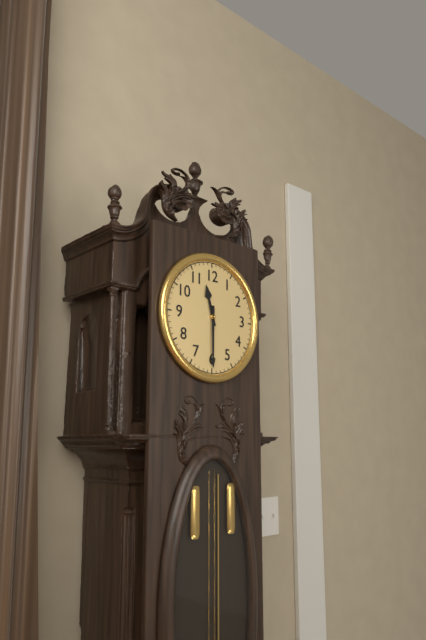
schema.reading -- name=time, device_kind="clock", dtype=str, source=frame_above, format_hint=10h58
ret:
11h30
